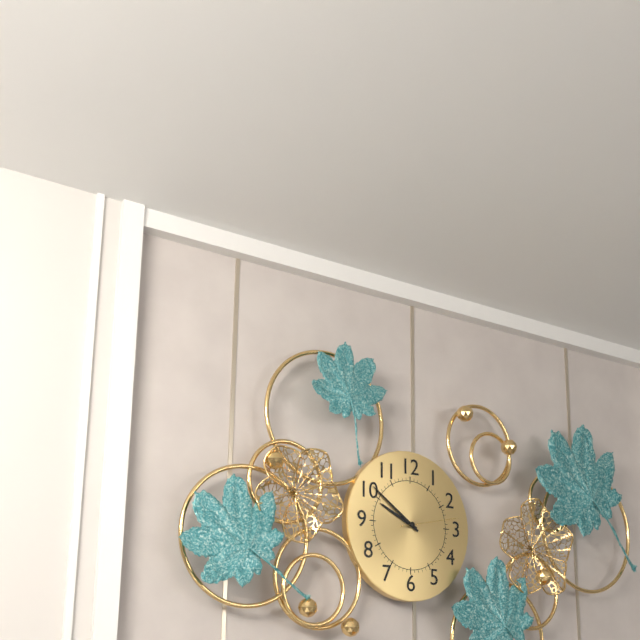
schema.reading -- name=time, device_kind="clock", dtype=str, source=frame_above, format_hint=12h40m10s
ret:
9h51m13s
